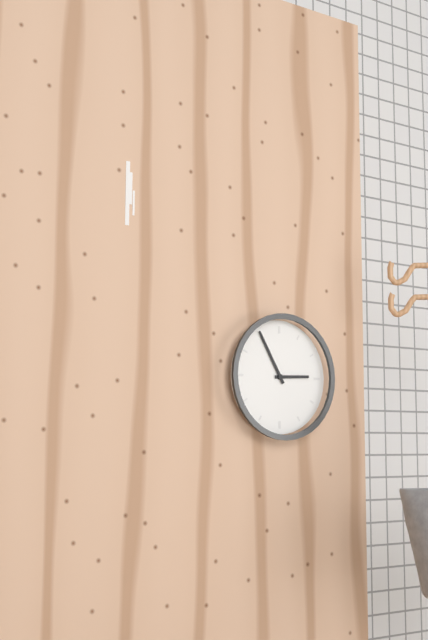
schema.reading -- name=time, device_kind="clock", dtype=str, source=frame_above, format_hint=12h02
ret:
2h55
